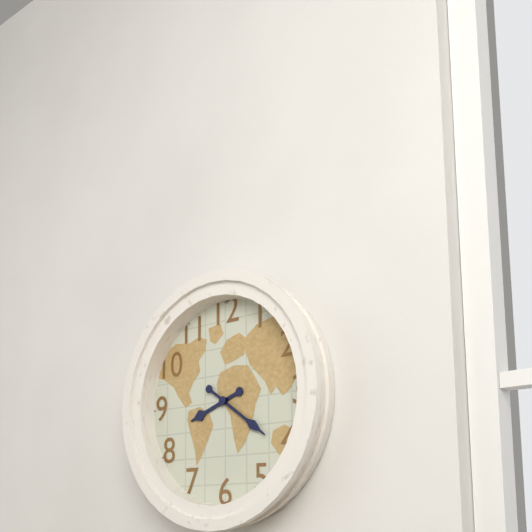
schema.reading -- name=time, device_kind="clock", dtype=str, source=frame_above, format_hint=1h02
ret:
8h21
